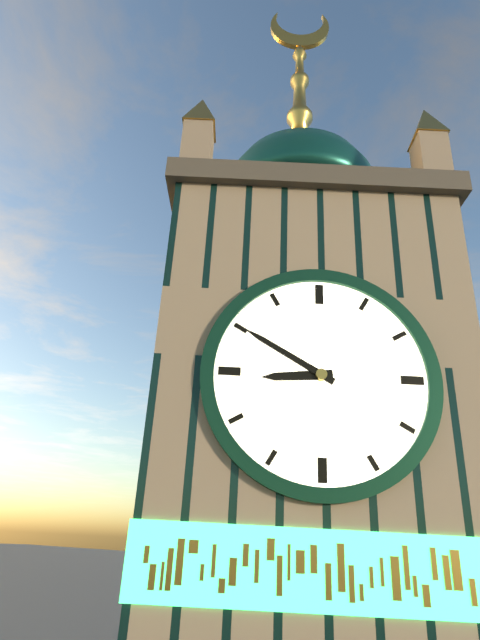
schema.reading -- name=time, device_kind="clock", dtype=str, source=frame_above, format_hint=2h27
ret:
8h50
